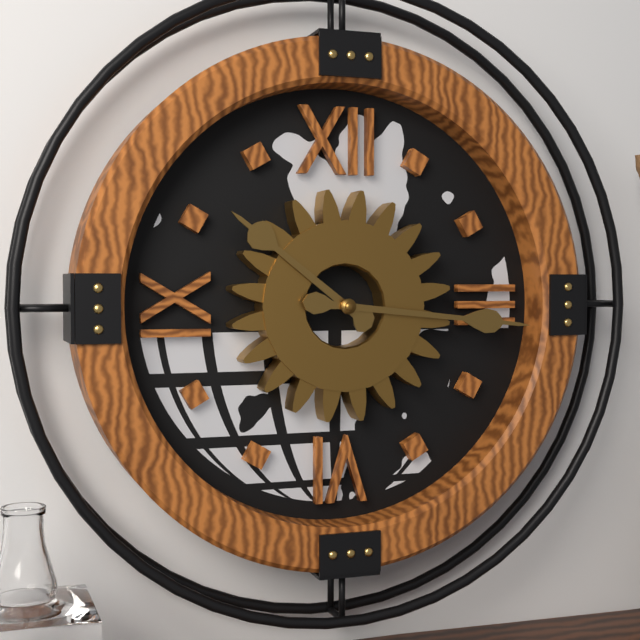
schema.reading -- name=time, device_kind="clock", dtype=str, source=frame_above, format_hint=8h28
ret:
10h16
